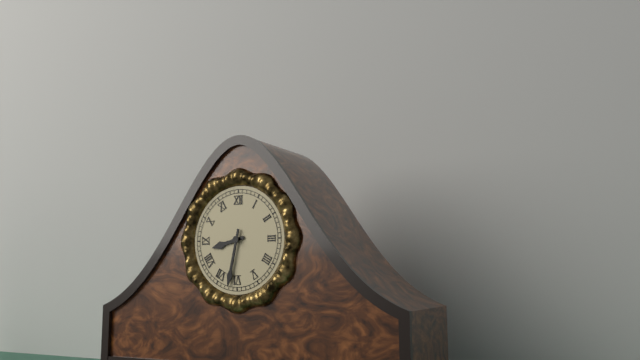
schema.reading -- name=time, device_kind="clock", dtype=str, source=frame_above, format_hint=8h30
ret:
8h32
